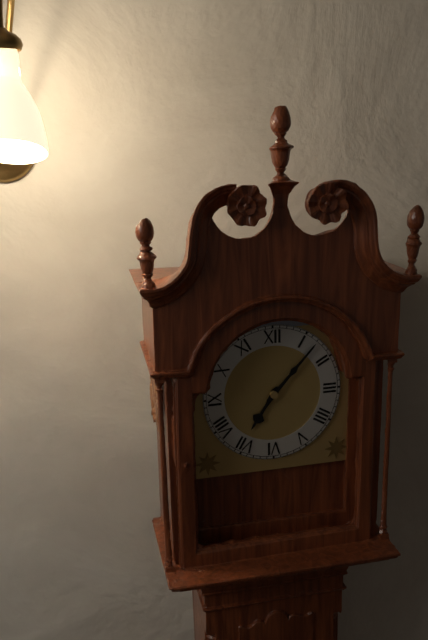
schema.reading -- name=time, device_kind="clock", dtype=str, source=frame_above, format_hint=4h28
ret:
7h07
